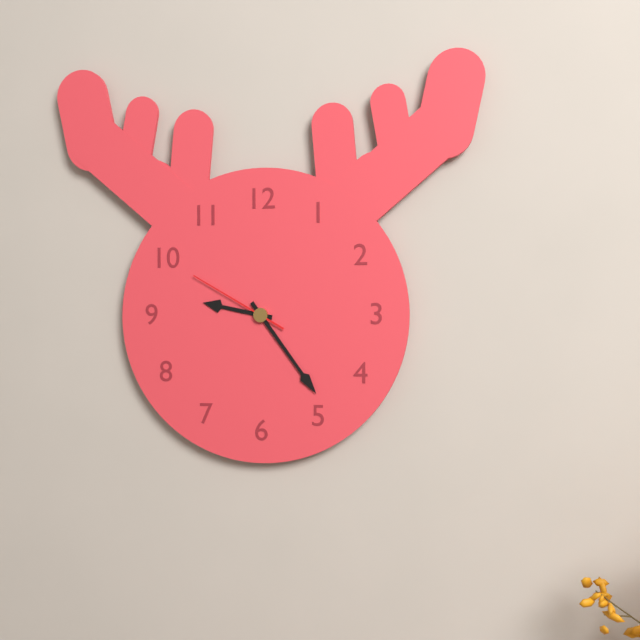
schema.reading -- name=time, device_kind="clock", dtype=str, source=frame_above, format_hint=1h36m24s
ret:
9h24m50s
